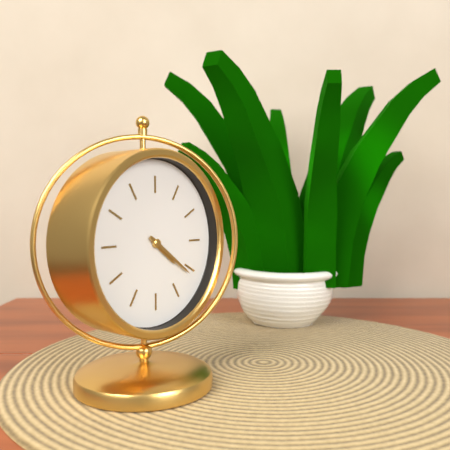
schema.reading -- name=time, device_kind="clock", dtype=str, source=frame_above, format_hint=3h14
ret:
4h21
